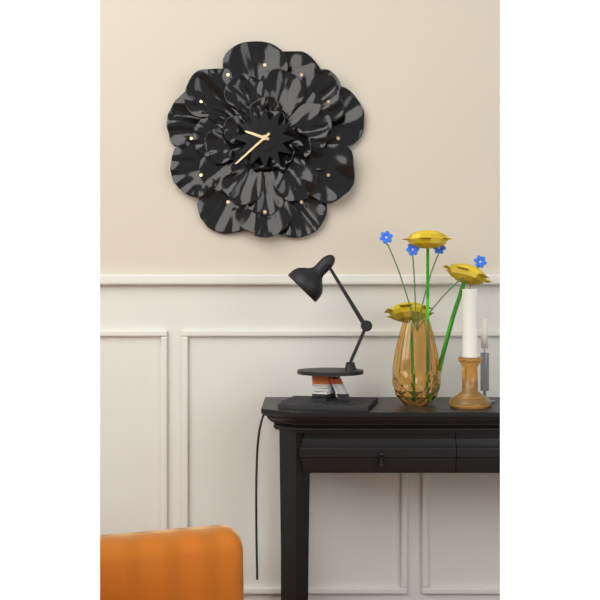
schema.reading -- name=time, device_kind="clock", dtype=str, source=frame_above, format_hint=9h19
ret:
9h38
